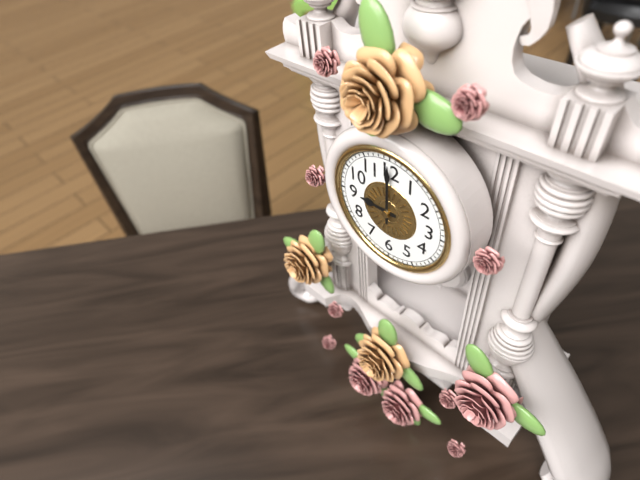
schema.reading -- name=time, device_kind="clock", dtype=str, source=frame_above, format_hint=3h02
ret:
9h00
